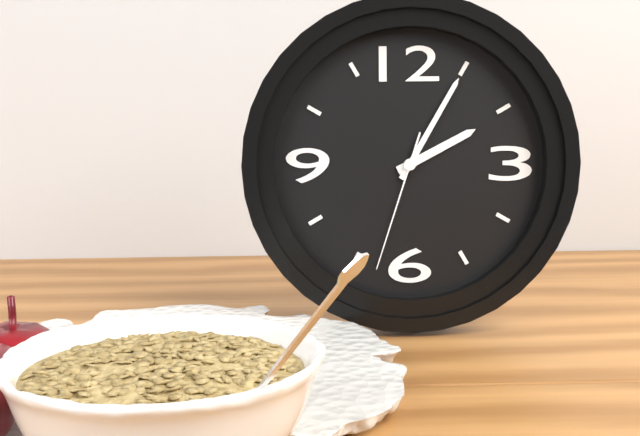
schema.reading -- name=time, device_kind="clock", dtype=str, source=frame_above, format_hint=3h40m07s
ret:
2h05m33s
